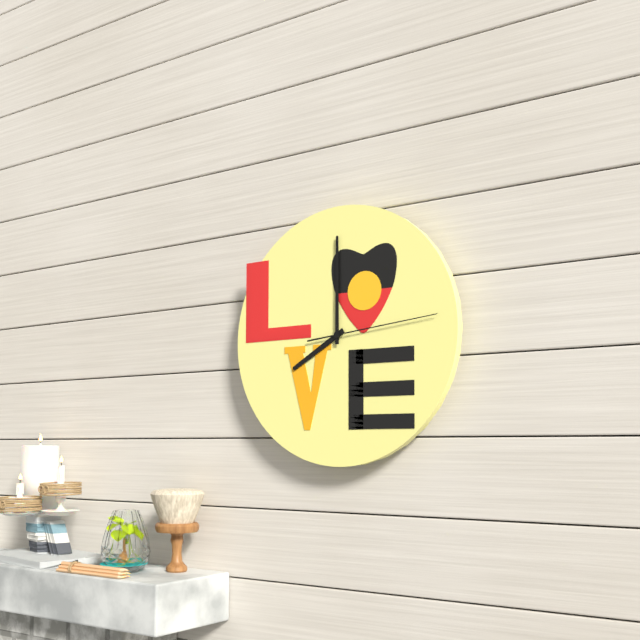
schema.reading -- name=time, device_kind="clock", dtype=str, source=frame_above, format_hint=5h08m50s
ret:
8h00m14s
